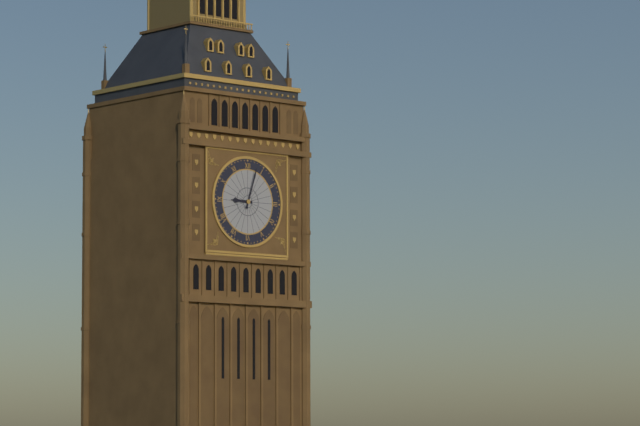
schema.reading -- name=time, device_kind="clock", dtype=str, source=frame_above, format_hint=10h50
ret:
9h03
